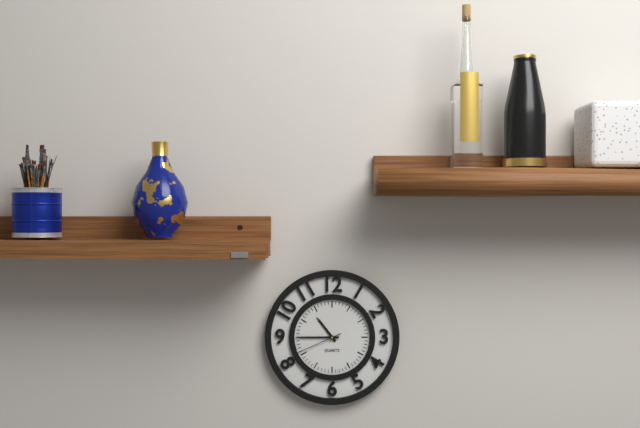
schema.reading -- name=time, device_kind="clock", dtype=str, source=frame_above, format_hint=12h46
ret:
10h45
